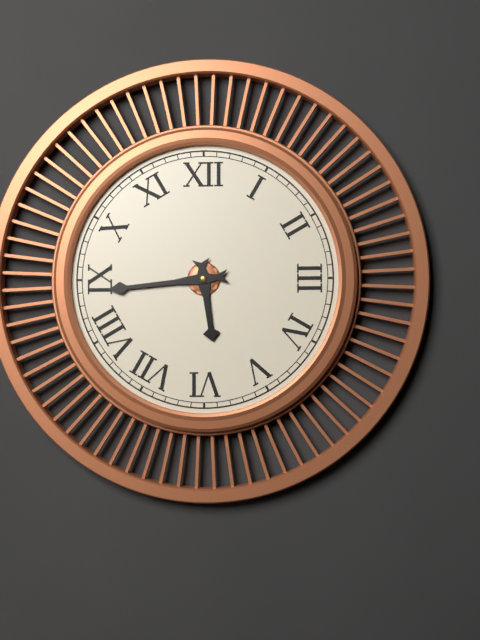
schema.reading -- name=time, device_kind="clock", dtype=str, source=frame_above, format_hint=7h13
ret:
5h44
